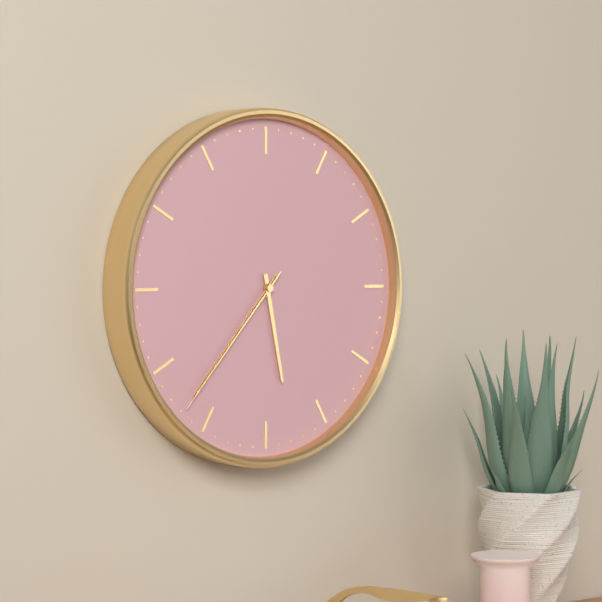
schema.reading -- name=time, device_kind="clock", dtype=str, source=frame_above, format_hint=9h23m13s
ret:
5h37m37s
